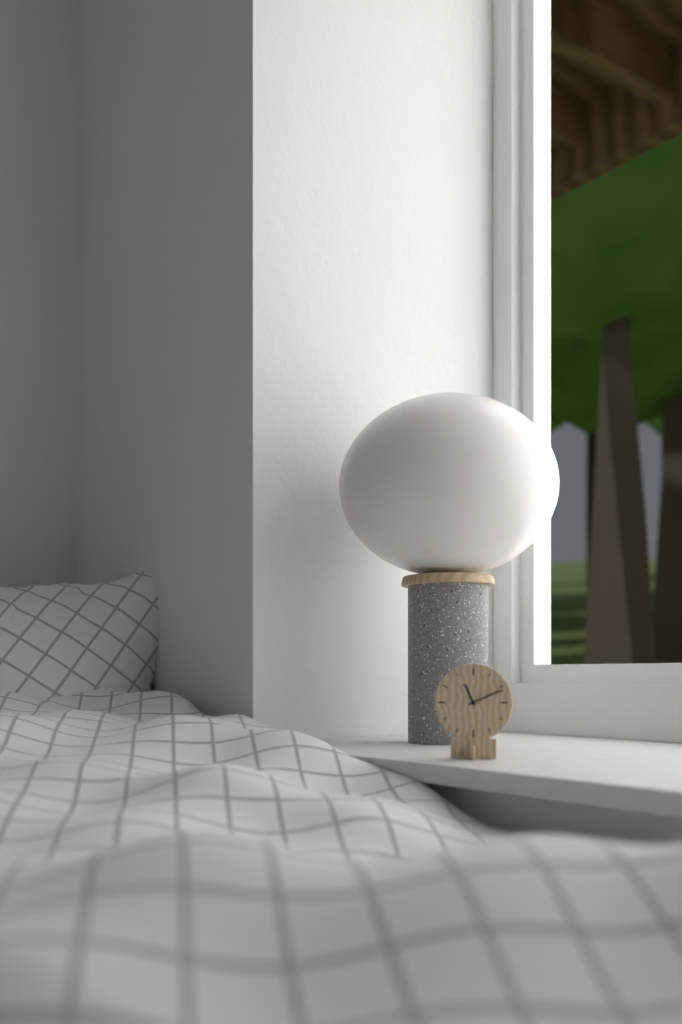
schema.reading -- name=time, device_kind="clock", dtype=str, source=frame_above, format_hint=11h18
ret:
11h11
